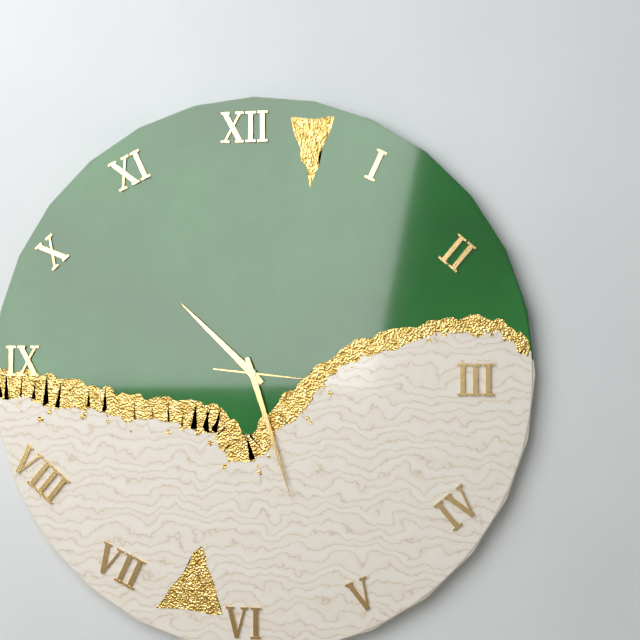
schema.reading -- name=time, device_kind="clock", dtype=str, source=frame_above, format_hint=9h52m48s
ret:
10h27m16s
